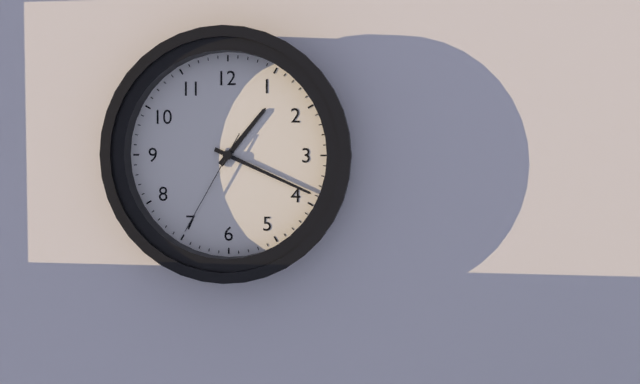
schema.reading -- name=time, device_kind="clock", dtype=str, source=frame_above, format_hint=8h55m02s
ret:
1h19m35s
